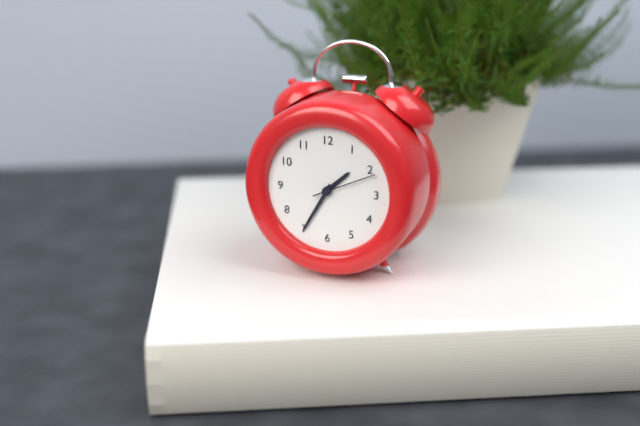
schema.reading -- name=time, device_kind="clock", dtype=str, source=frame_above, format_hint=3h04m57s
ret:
1h35m11s
